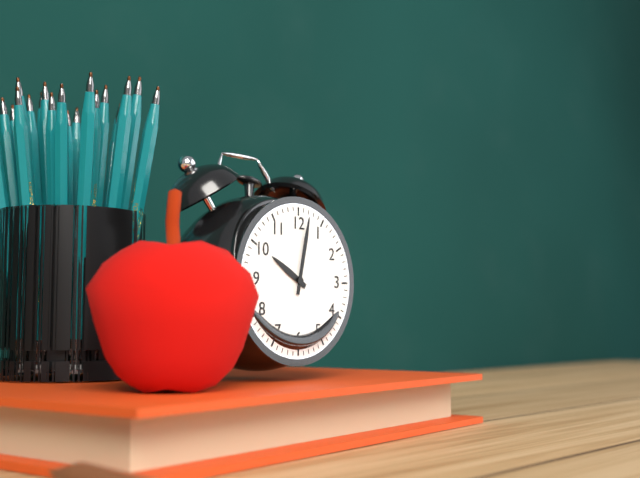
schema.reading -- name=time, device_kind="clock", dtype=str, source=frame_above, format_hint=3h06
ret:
10h02
